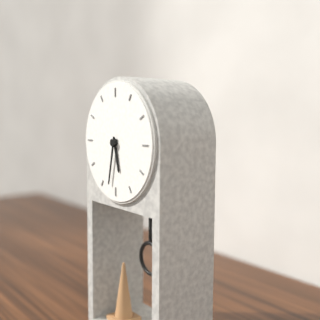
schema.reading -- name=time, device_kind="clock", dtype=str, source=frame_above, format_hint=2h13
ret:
5h32
